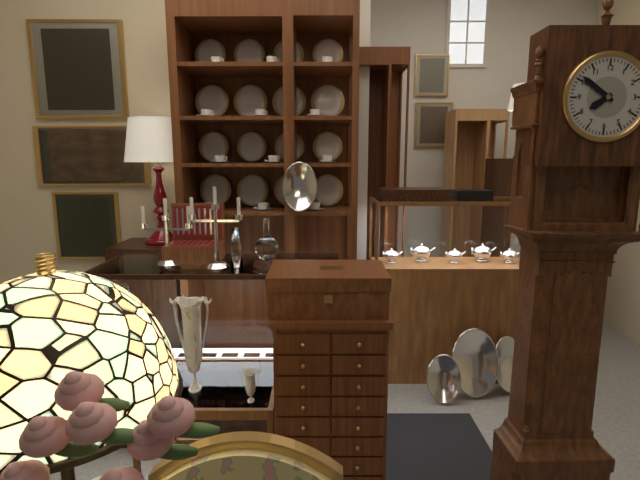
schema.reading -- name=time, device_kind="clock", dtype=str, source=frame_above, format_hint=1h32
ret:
7h51
